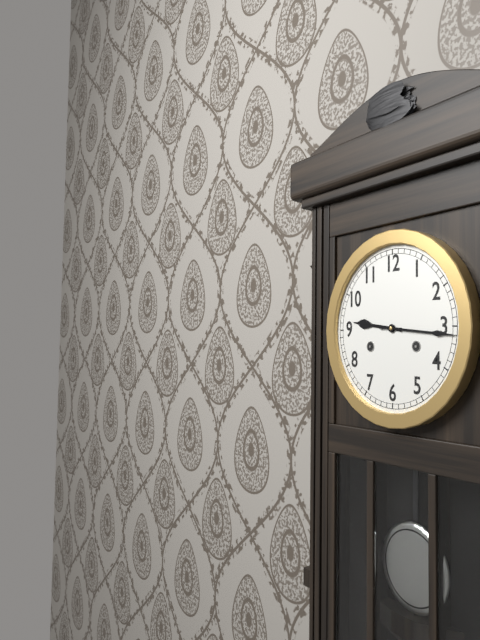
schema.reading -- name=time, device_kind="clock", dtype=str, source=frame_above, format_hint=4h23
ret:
9h16
